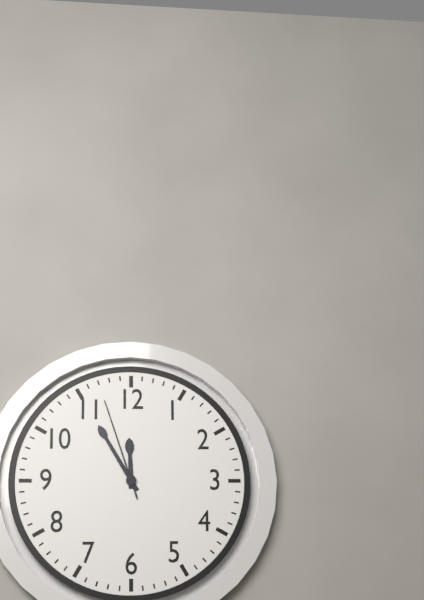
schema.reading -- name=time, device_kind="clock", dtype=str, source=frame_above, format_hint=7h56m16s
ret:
11h55m57s
